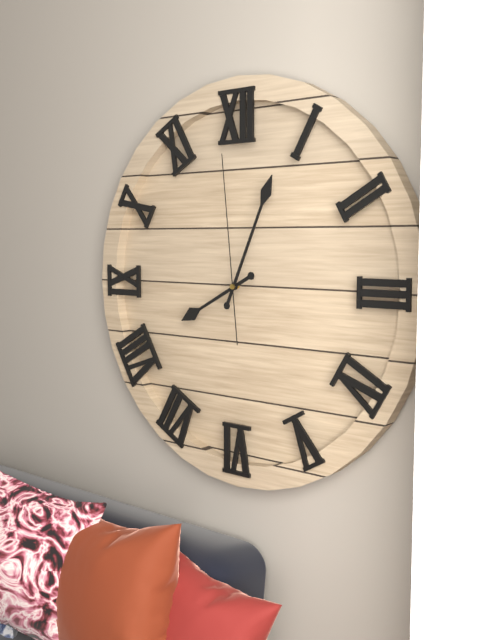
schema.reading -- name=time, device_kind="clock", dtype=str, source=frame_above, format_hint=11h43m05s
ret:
8h04m59s
